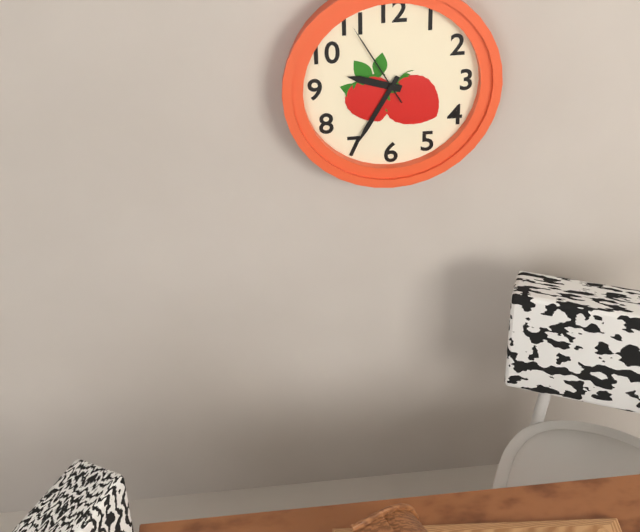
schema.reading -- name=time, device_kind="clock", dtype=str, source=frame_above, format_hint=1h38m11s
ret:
9h35m55s
